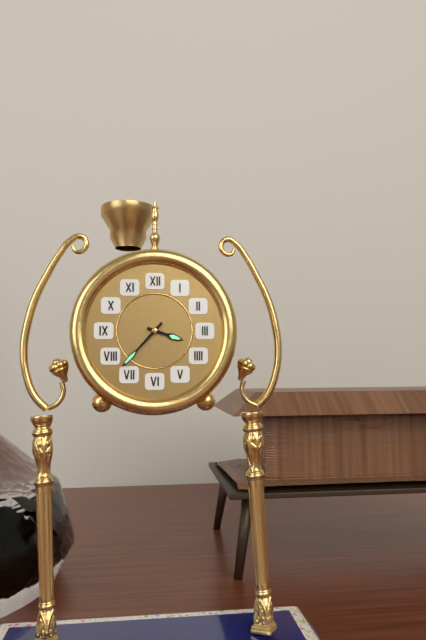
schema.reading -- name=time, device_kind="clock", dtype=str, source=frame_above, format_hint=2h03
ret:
3h37
